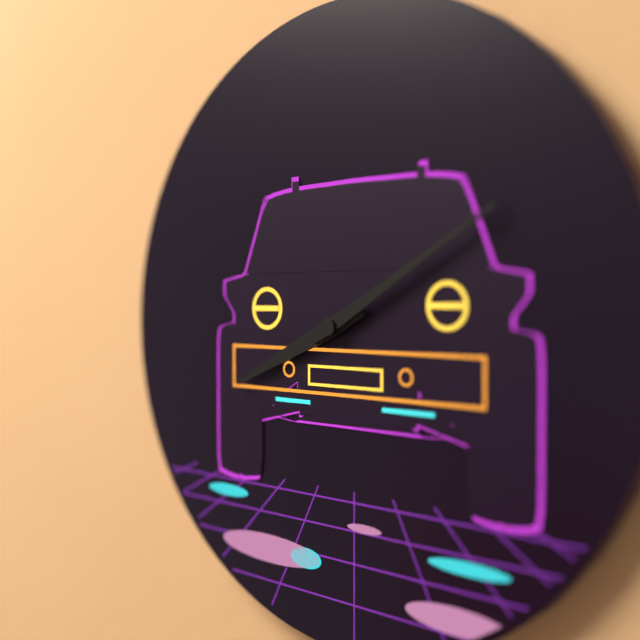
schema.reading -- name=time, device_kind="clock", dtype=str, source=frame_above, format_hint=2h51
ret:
8h10
